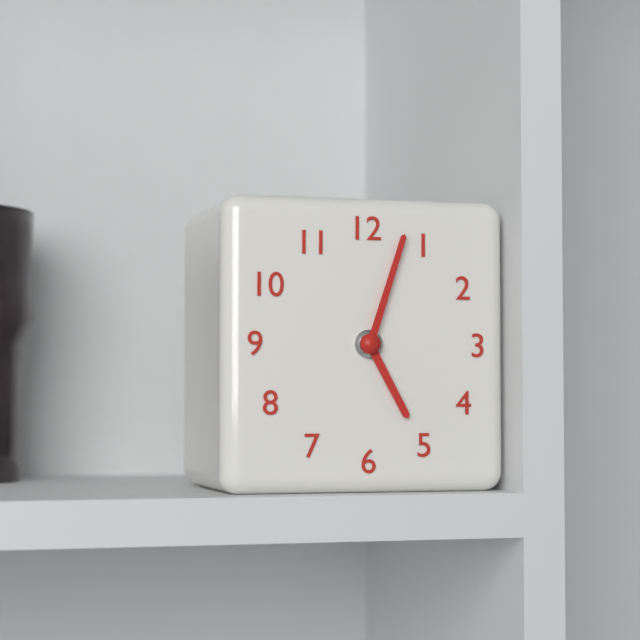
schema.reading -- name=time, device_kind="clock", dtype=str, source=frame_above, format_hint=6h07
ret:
5h03
